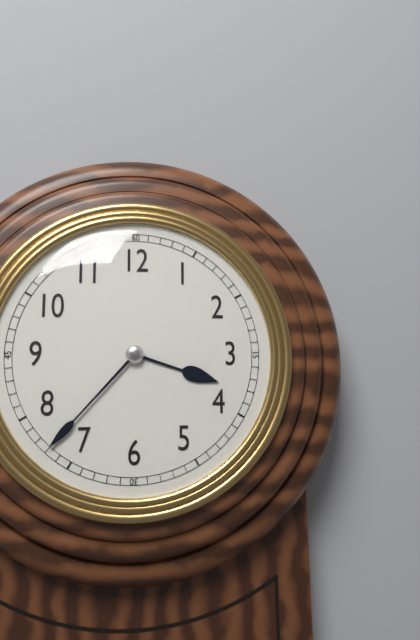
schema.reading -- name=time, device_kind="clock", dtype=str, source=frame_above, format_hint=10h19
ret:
3h37
